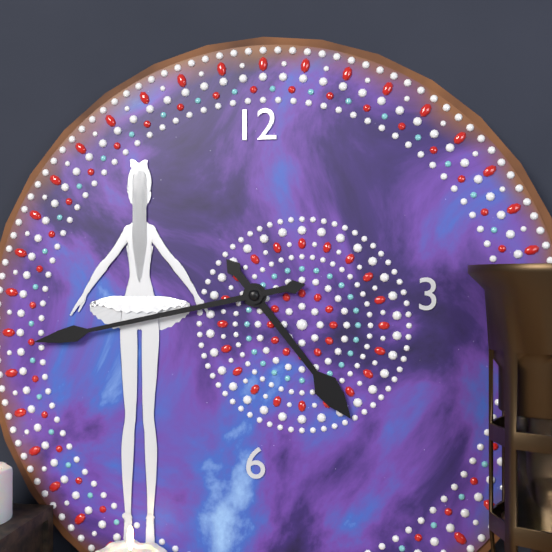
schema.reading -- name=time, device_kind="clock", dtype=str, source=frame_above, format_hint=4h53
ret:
4h43
